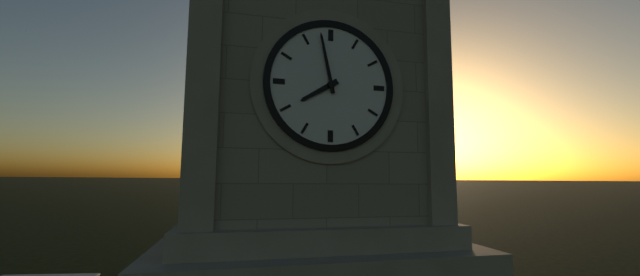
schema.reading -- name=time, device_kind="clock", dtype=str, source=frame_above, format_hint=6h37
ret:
7h58
